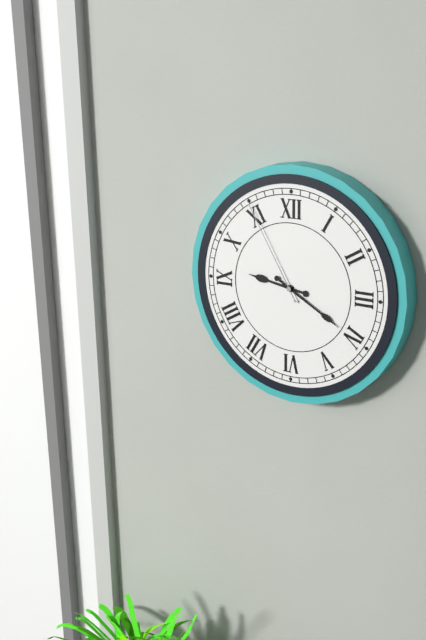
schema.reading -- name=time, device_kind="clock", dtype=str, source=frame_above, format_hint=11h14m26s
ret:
9h20m55s
